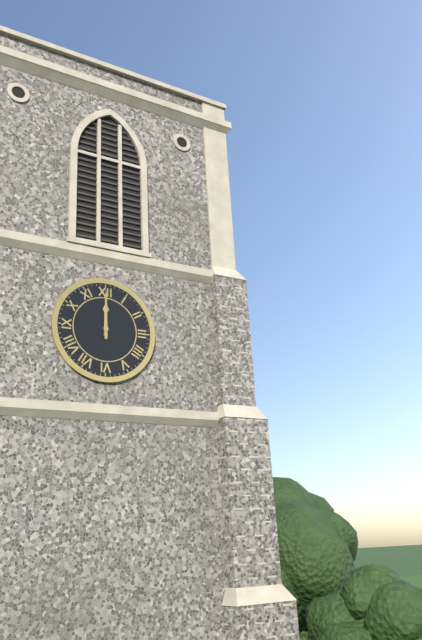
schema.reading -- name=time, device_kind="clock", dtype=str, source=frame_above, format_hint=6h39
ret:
12h00
